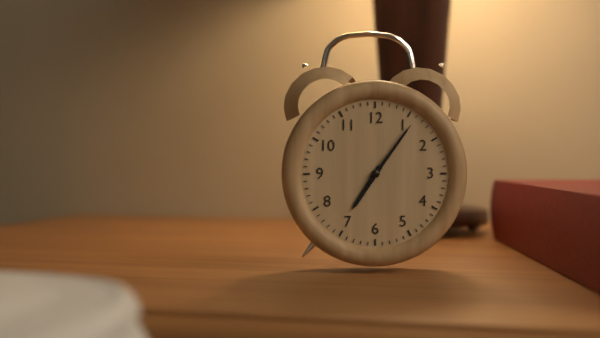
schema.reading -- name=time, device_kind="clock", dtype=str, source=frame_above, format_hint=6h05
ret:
7h06
